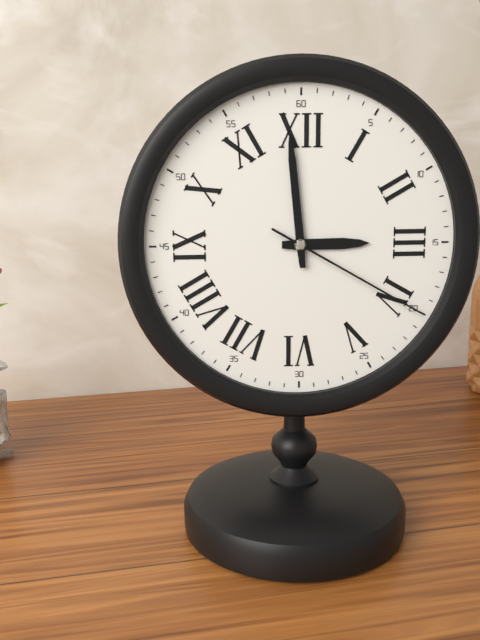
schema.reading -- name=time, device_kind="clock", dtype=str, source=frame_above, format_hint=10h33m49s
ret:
2h59m20s
